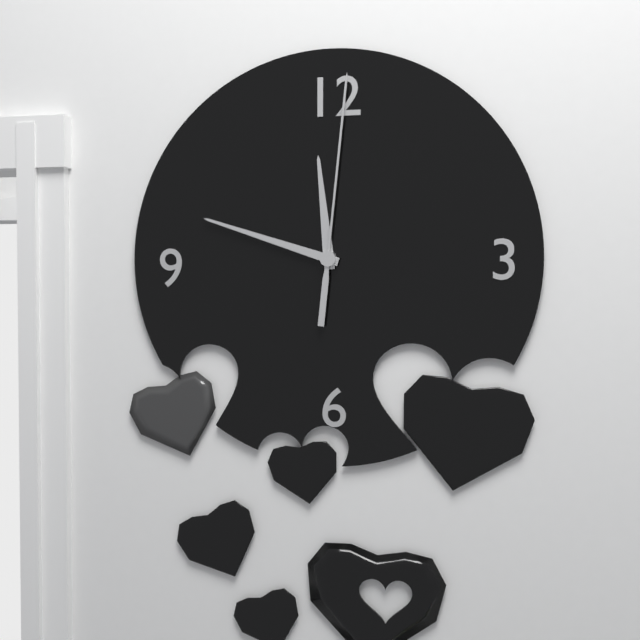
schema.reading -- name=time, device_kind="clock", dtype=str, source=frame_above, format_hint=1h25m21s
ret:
11h48m01s
